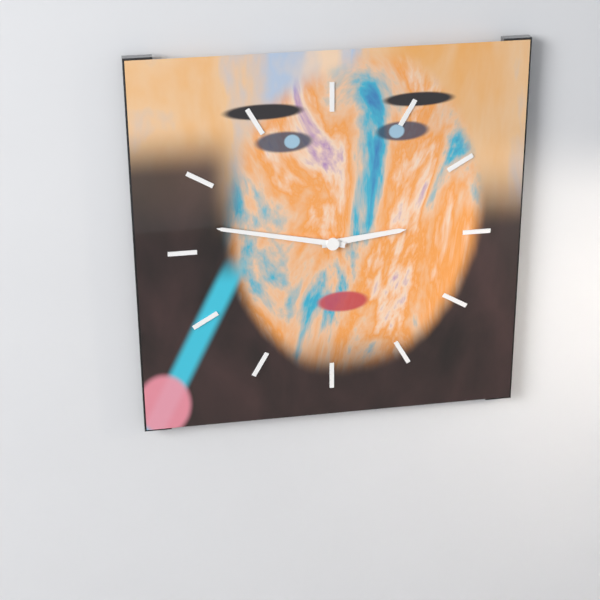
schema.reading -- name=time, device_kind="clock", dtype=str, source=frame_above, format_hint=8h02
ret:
2h47
